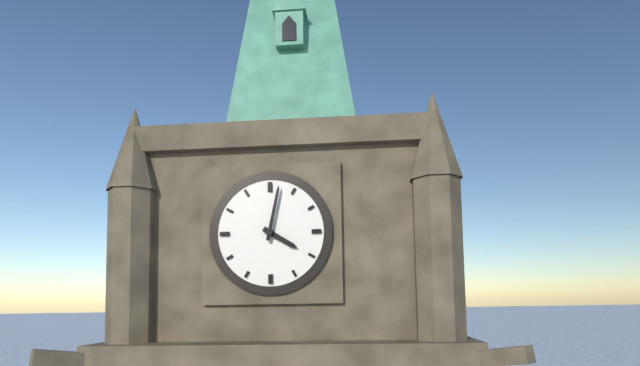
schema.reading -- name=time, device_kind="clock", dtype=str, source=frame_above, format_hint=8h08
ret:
4h02
